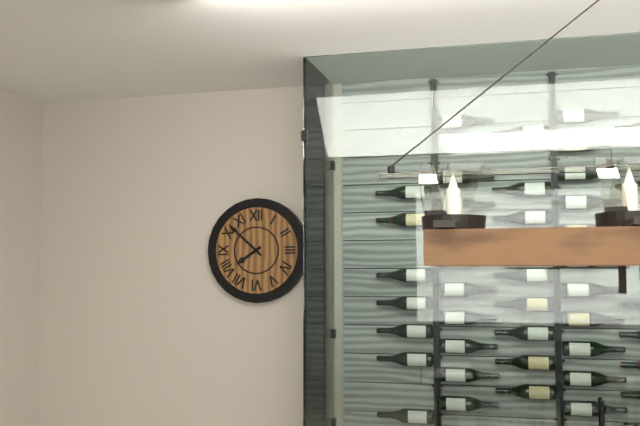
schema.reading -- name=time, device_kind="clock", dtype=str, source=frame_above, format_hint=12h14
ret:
7h52
